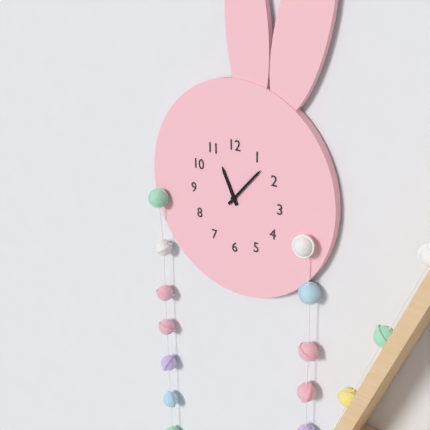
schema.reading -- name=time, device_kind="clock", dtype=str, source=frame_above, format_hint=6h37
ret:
11h07
